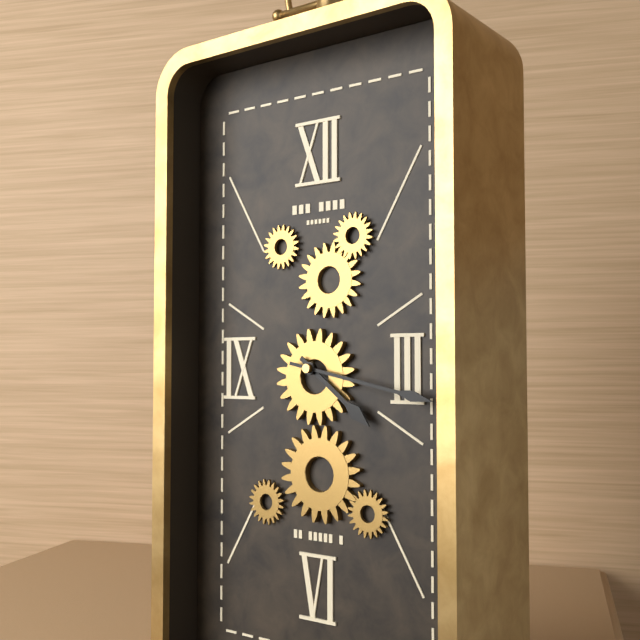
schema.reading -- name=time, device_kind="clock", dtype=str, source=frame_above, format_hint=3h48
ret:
4h17
